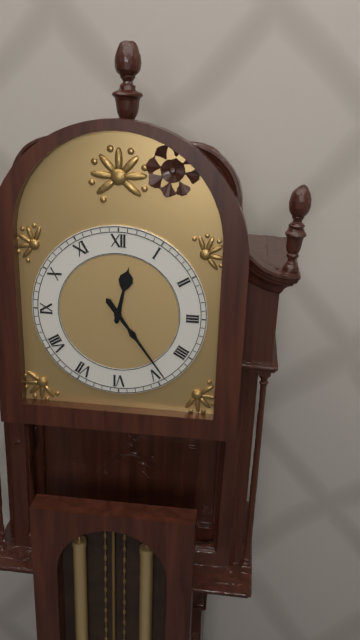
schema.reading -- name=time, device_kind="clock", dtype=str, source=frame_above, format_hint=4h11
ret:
12h24
